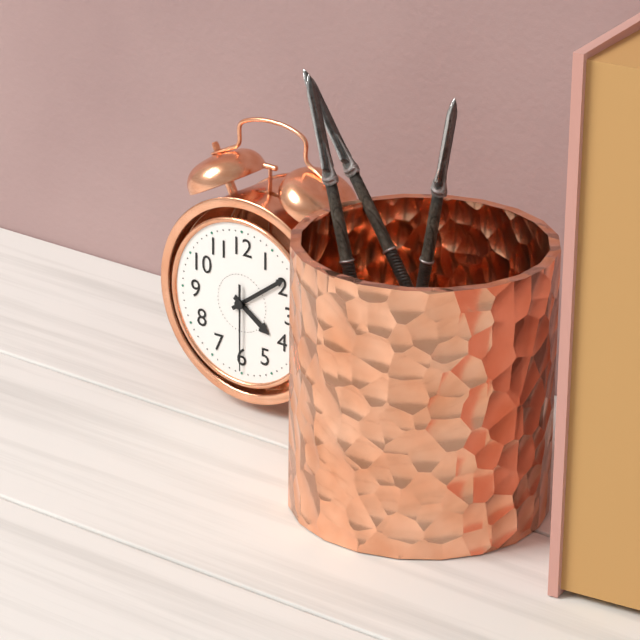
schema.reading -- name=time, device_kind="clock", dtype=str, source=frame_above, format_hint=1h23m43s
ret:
4h09m30s
